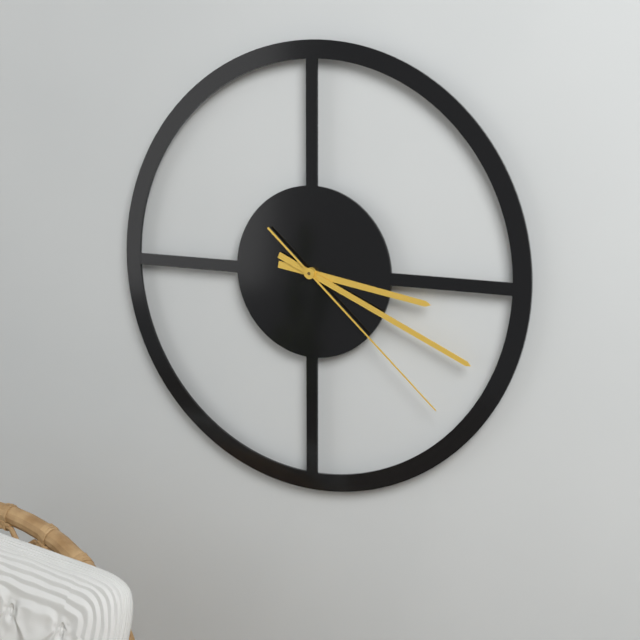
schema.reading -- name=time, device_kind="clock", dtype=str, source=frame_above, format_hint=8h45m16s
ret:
3h19m22s
